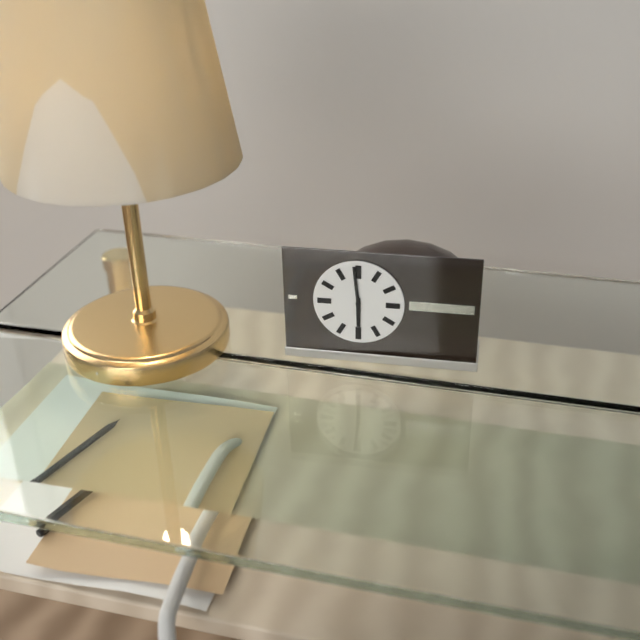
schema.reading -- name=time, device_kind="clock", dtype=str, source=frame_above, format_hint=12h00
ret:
5h59
